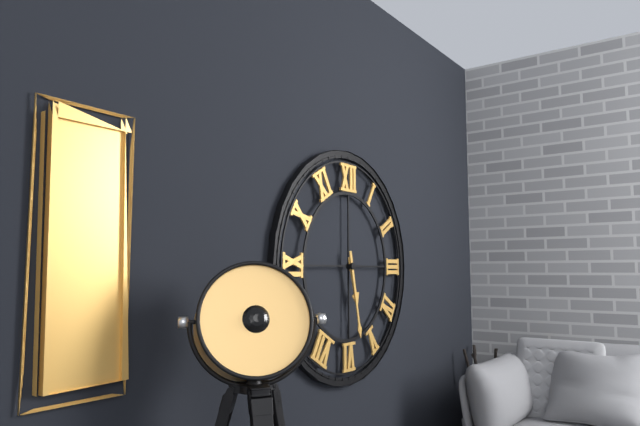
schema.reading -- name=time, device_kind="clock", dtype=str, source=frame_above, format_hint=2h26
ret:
5h28
